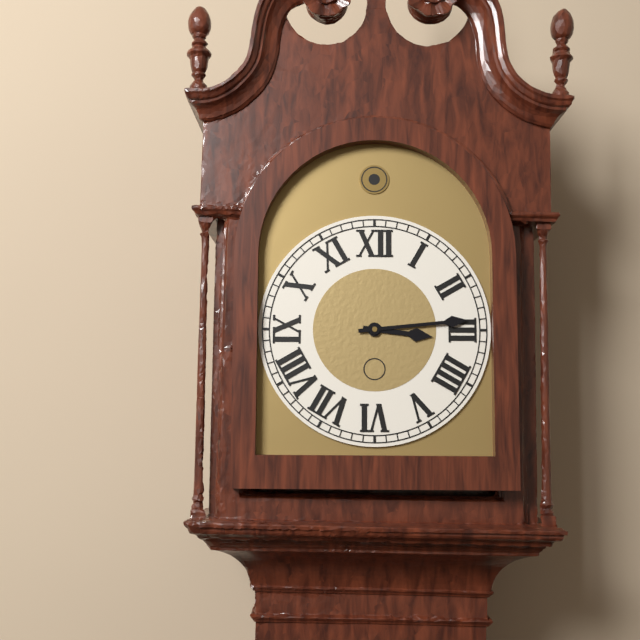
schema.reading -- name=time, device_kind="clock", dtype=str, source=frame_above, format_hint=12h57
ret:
3h14
